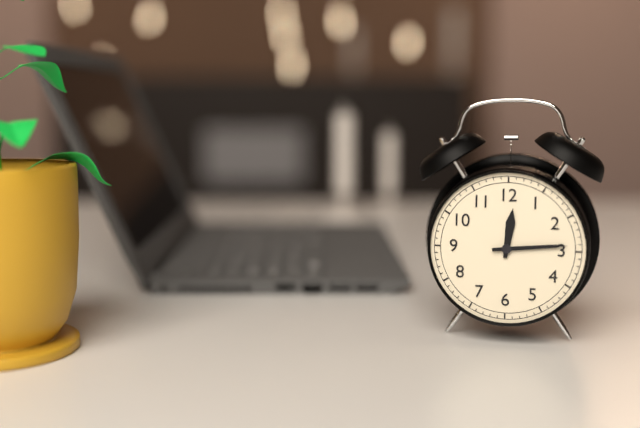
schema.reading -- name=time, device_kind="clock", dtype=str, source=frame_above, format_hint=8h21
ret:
12h14
